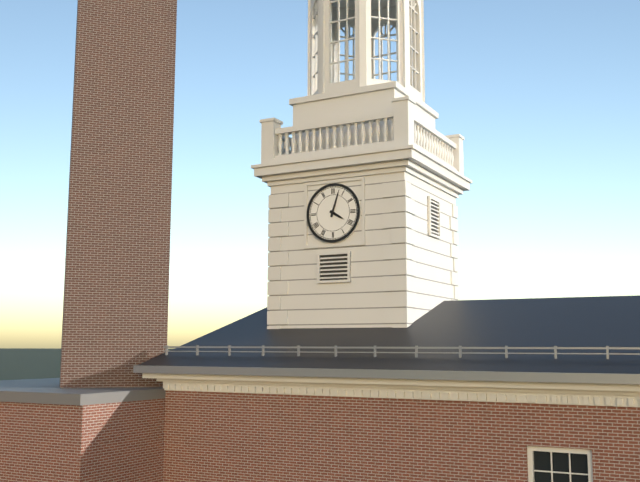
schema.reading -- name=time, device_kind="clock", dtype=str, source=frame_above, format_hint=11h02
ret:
4h03
